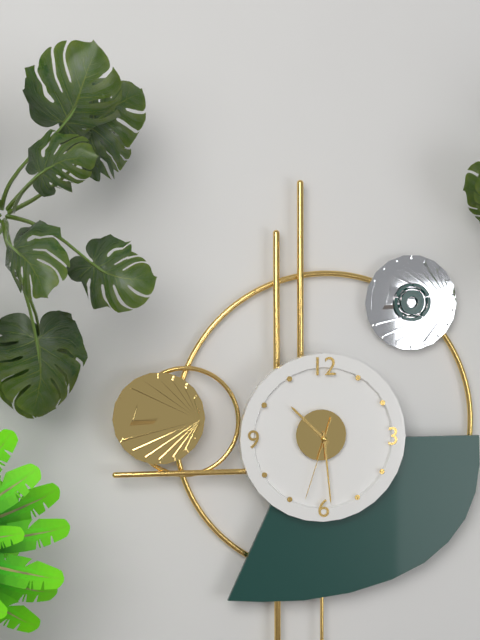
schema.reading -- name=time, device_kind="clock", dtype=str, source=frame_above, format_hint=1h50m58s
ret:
10h29m33s
